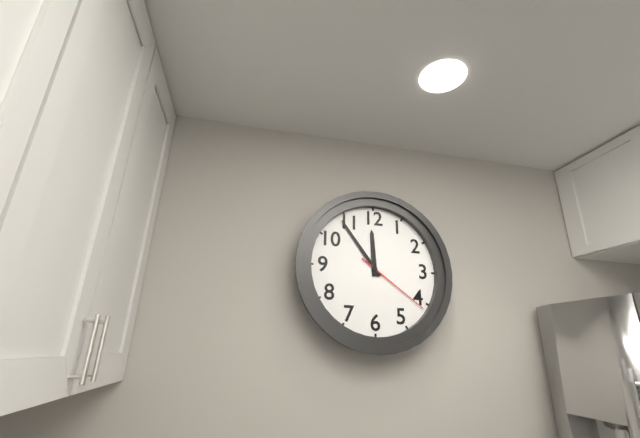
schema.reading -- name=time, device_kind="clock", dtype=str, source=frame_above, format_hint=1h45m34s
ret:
11h54m21s
